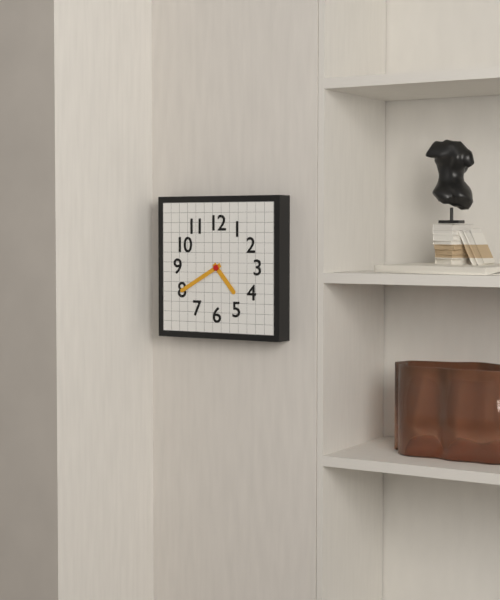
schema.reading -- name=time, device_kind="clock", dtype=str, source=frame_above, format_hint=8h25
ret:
4h40
